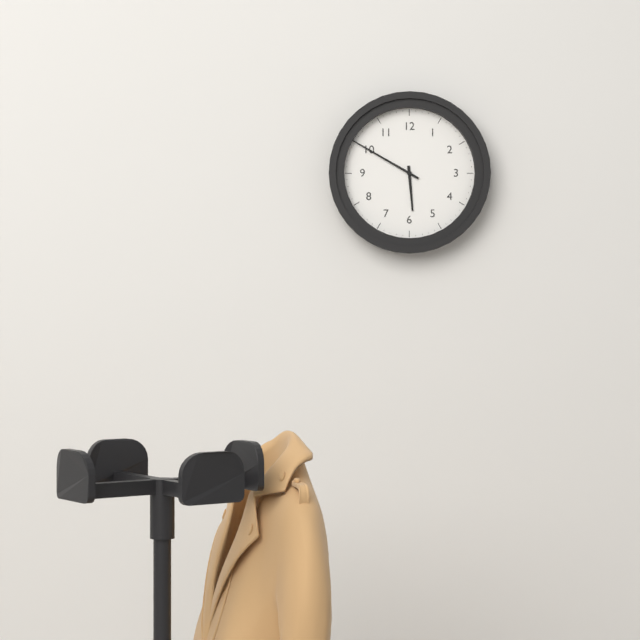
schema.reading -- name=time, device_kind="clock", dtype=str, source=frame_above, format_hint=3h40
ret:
5h50
